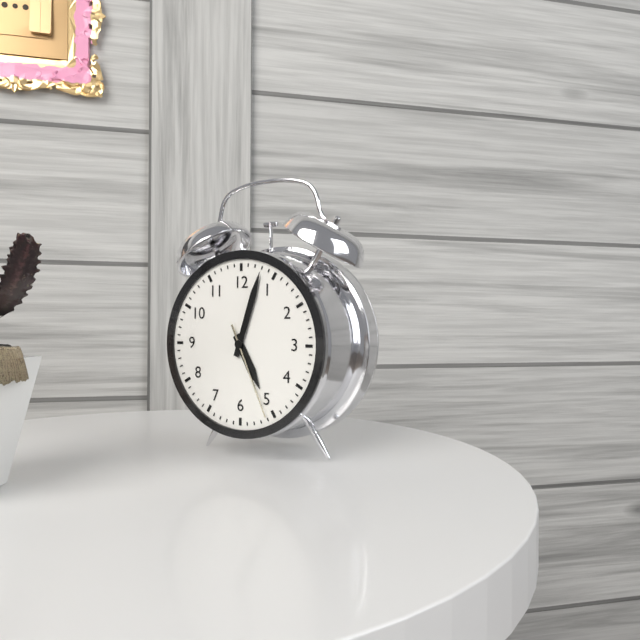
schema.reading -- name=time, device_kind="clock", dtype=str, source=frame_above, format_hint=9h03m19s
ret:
5h03m26s
